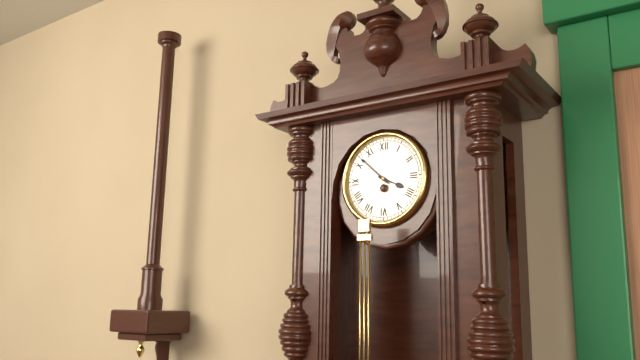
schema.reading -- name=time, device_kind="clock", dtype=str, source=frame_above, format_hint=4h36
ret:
3h52
